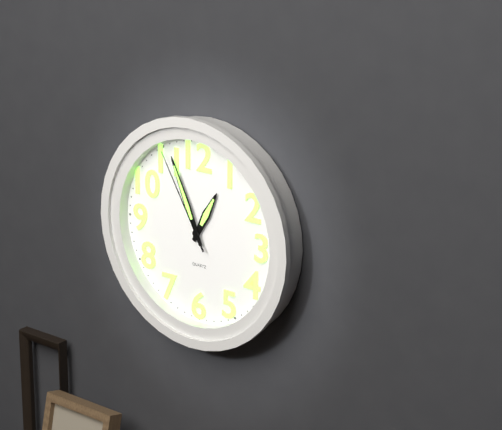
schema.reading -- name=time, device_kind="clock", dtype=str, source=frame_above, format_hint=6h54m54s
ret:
12h56m55s
